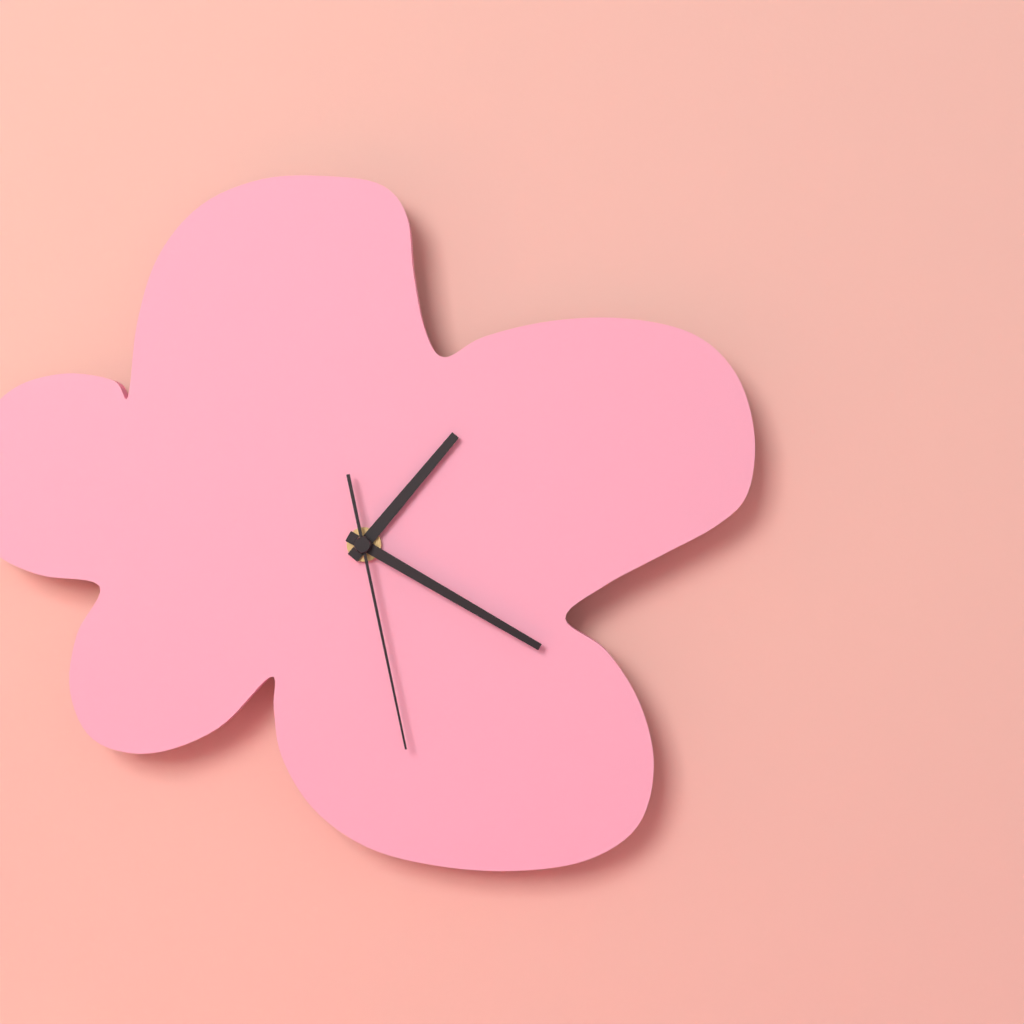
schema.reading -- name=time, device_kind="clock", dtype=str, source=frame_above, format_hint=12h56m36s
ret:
1h20m28s
